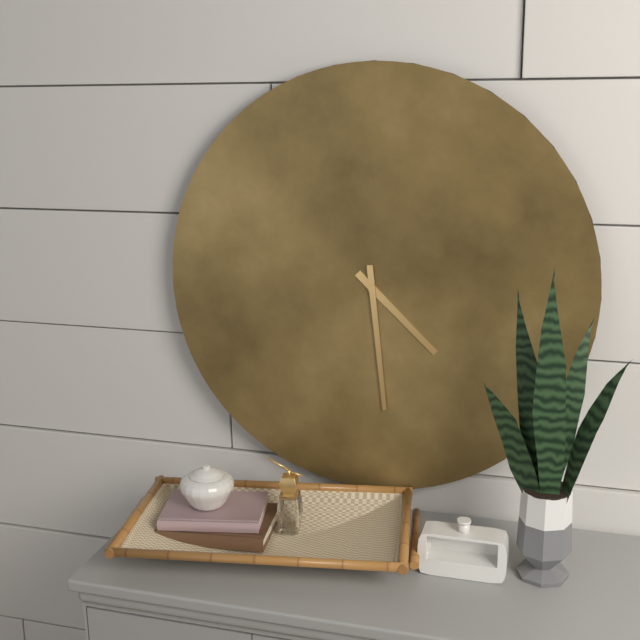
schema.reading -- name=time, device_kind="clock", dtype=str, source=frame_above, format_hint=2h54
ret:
4h29
